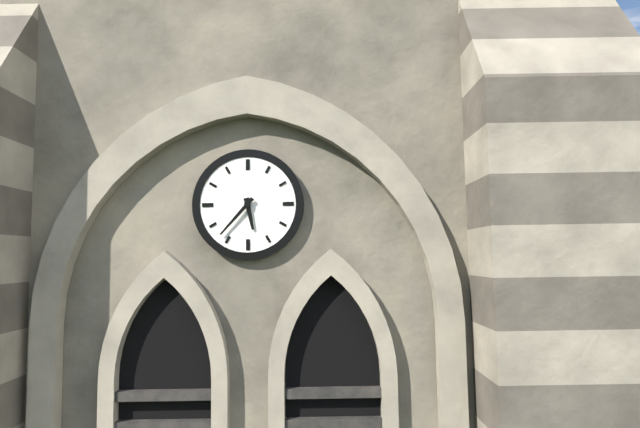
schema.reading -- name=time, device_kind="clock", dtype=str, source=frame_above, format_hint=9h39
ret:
5h37
